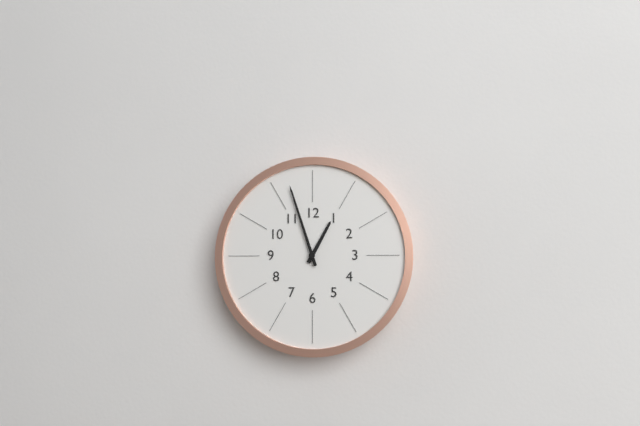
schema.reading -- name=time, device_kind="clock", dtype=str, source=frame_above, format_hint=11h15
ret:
12h57
